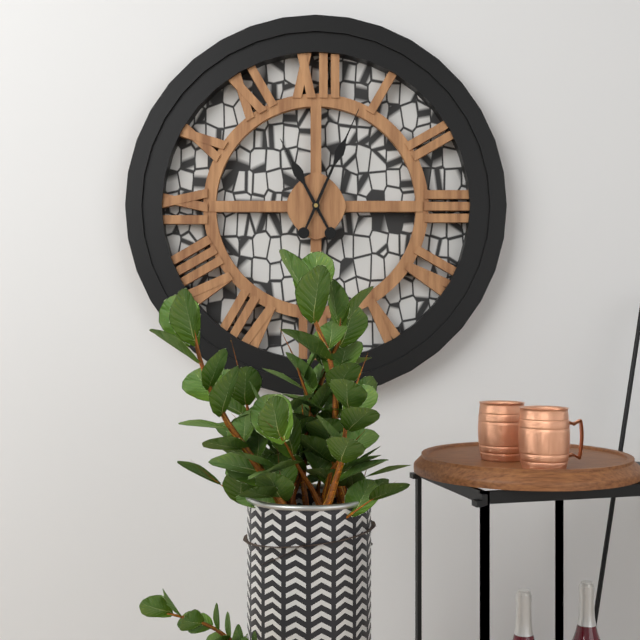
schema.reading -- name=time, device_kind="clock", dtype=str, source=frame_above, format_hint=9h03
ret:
11h04
